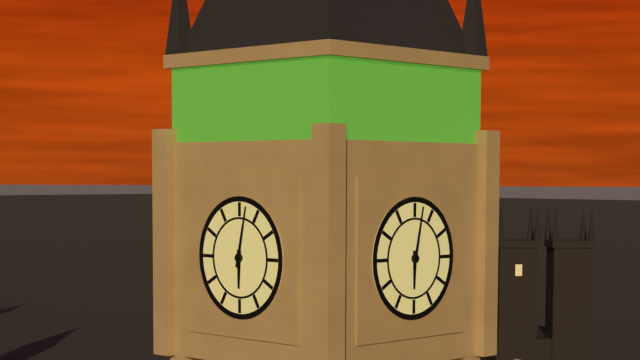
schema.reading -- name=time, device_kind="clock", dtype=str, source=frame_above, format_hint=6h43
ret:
6h02
